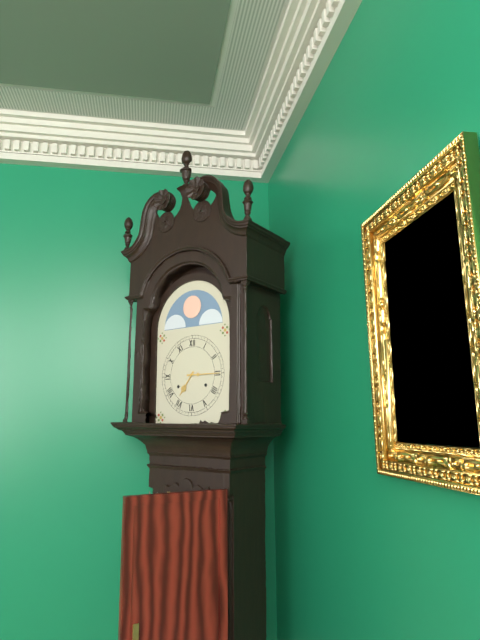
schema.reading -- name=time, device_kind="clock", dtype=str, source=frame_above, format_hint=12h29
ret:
7h15
